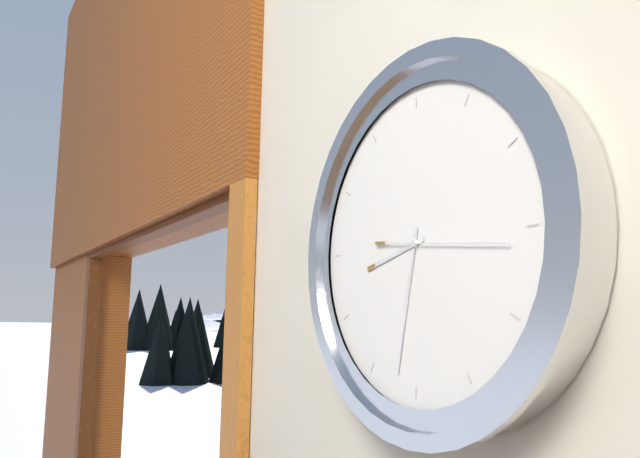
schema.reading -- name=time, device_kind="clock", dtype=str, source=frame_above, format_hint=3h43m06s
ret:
8h32m16s
